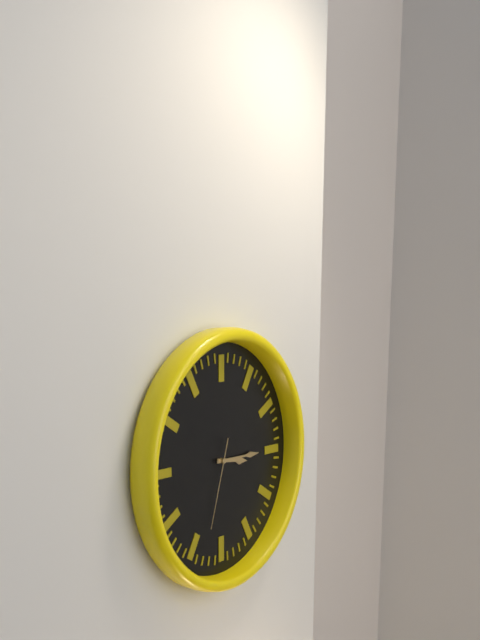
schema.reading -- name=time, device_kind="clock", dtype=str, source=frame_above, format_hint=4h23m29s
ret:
3h15m33s
